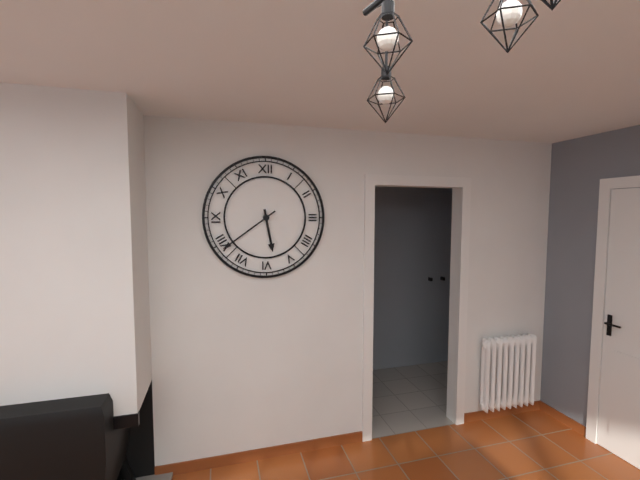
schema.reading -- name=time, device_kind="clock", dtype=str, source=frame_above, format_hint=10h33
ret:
5h39
